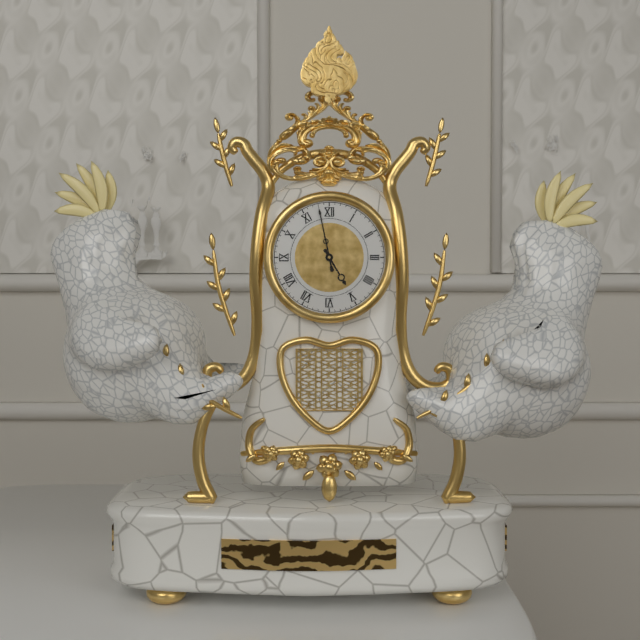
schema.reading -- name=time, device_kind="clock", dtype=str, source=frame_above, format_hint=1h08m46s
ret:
4h58m58s
